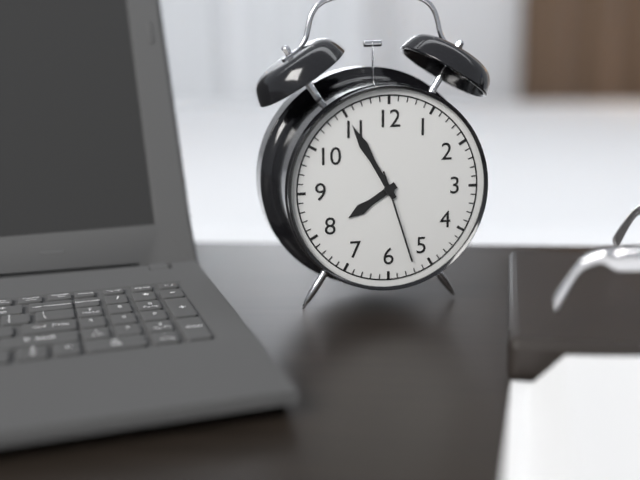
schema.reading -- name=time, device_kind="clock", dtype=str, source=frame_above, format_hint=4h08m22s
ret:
7h55m27s
